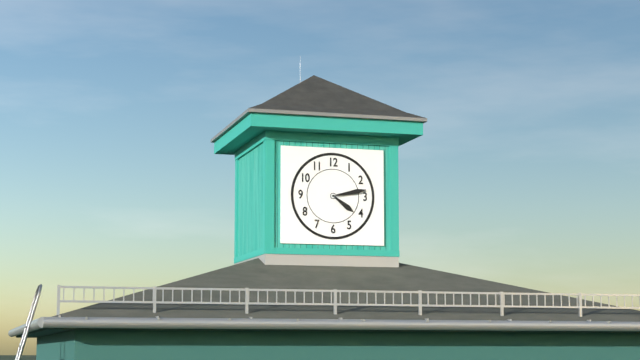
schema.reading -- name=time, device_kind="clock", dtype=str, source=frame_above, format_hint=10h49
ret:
4h13
